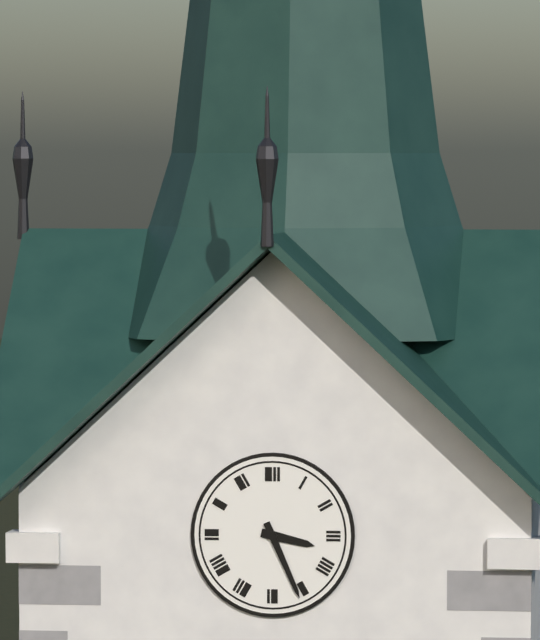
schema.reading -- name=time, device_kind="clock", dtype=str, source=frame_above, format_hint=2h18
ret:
3h26
